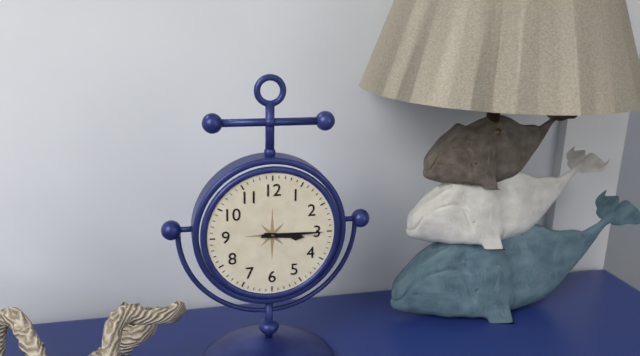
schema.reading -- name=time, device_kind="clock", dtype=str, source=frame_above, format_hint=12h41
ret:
3h15
